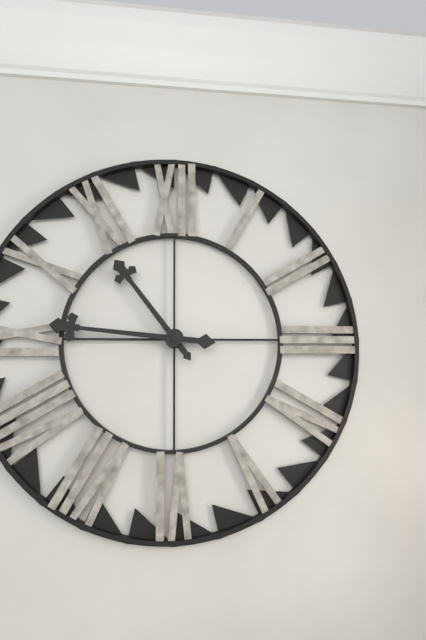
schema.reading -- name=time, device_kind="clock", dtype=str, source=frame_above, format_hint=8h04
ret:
10h46
